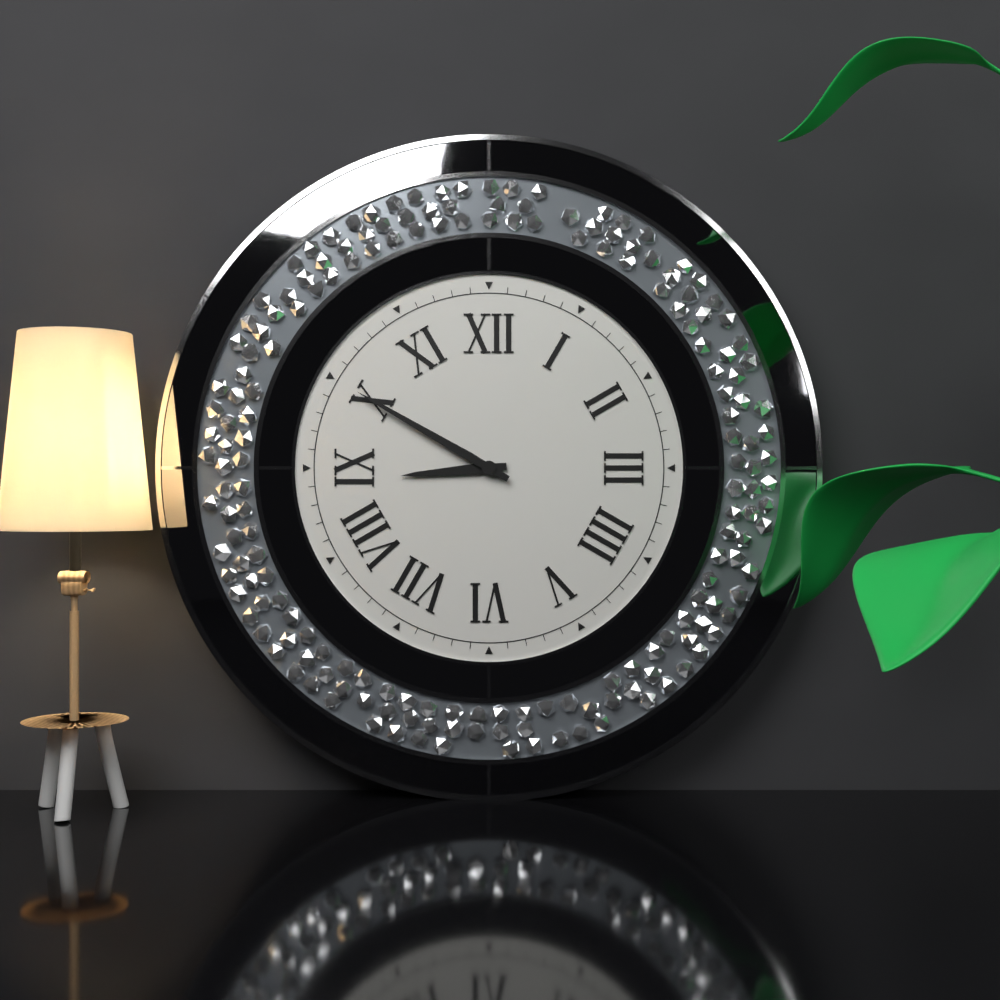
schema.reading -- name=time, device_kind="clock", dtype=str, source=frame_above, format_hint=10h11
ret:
8h50
